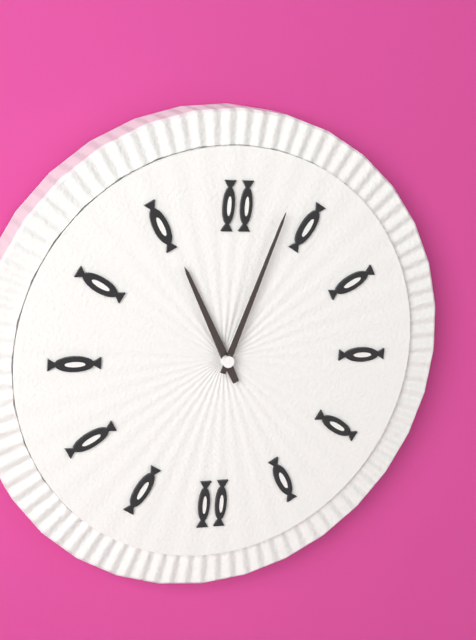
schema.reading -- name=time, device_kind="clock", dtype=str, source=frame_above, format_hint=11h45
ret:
11h03
